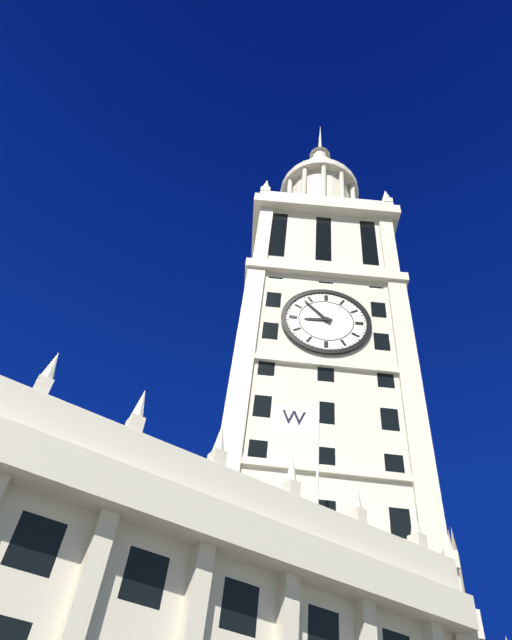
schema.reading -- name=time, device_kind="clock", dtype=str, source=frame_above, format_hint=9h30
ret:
8h53
